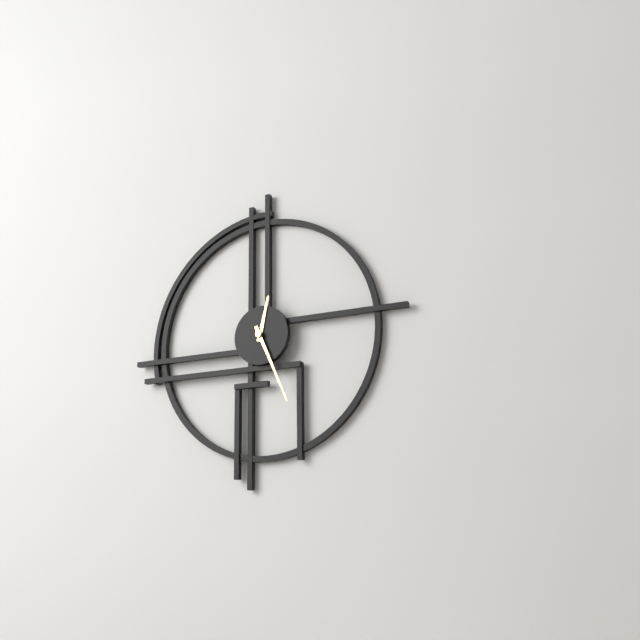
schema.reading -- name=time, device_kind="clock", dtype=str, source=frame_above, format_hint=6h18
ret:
12h26
